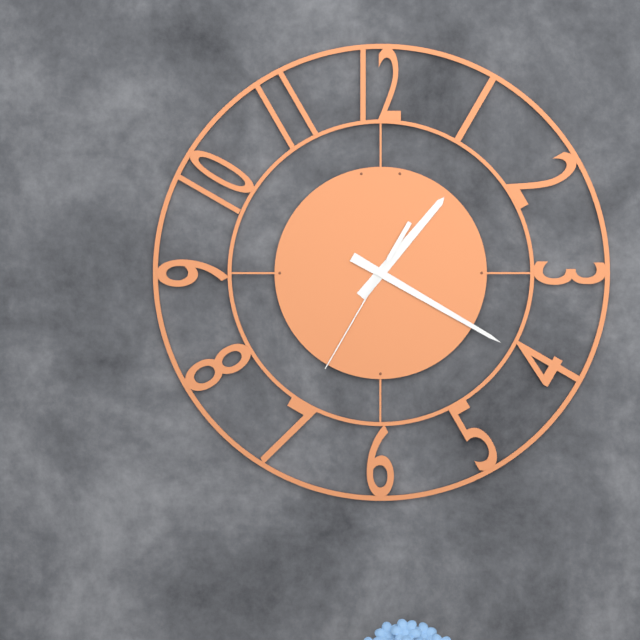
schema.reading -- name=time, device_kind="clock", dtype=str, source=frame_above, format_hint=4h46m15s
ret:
1h20m35s
